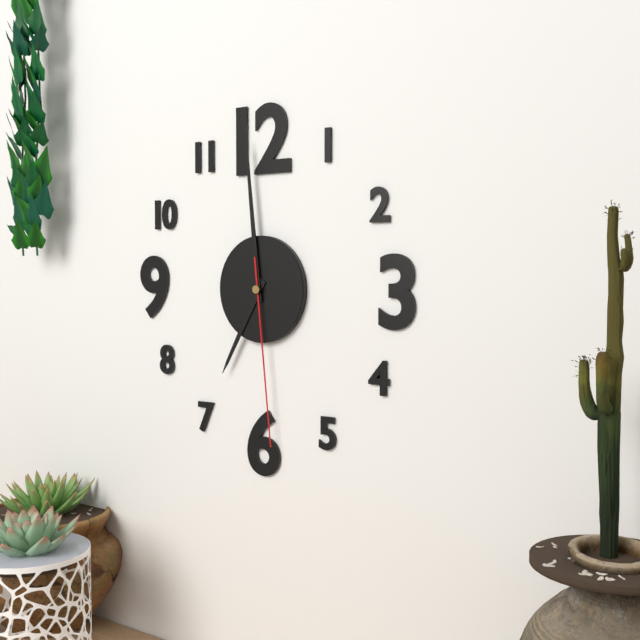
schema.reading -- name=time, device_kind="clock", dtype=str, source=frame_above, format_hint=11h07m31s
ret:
6h59m29s
